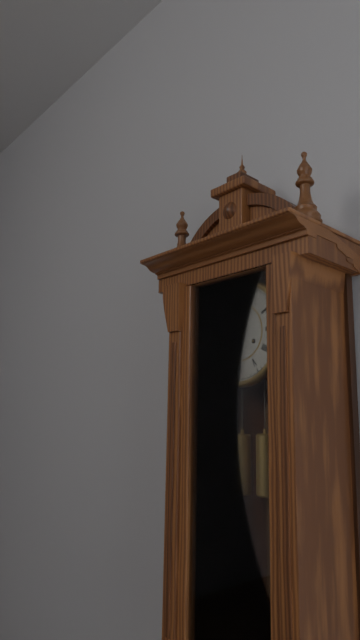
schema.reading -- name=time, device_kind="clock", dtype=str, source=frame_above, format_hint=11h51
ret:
7h01
